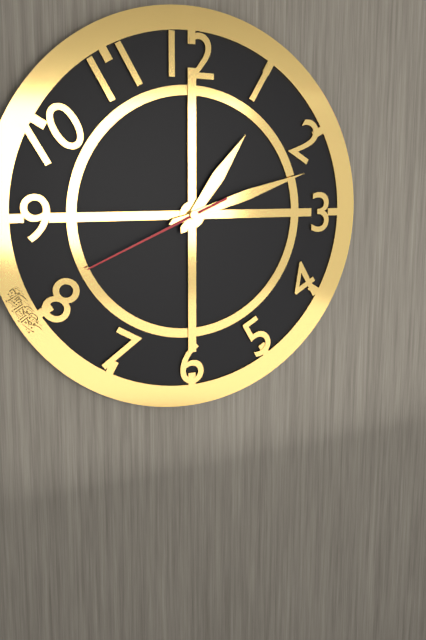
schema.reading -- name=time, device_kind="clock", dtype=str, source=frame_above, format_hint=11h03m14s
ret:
1h12m41s
